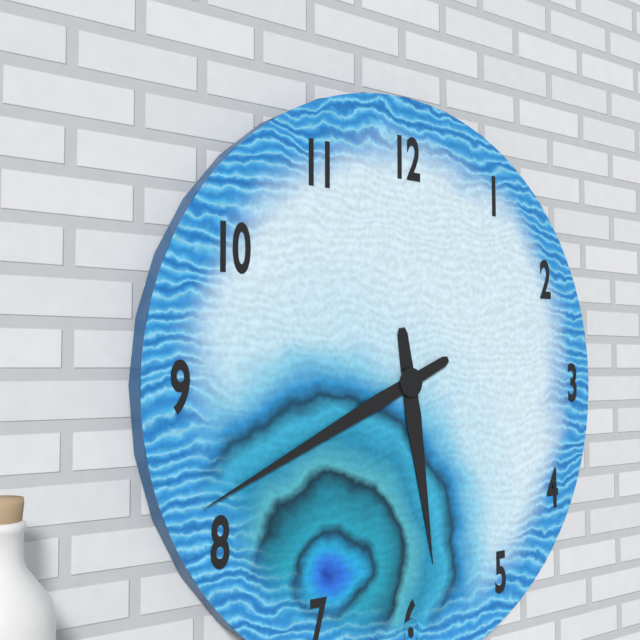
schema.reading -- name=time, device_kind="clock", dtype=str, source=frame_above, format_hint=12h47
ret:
5h41
